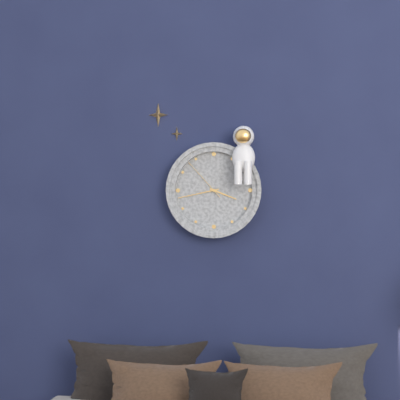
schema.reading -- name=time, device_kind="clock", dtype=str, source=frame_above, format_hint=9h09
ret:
3h43
